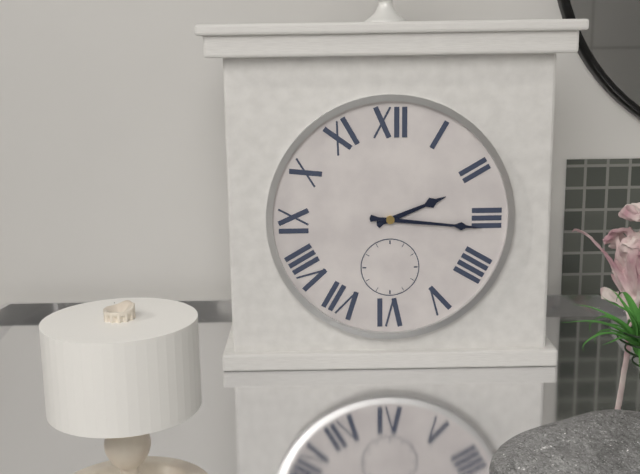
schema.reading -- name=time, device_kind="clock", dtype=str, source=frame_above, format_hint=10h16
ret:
2h16
